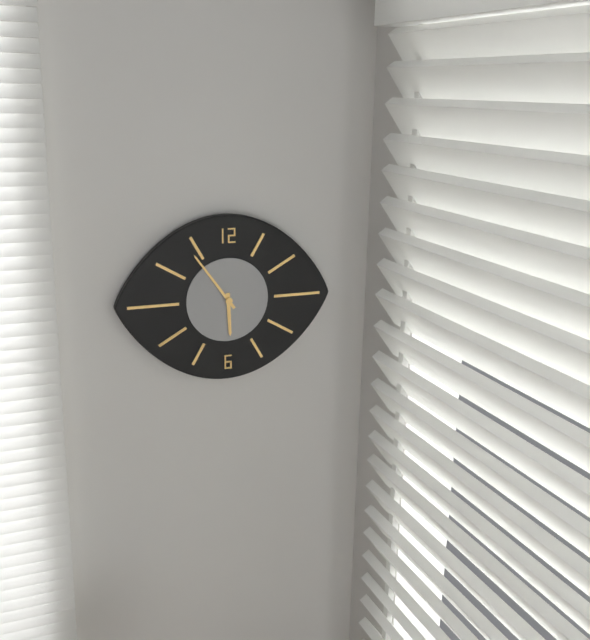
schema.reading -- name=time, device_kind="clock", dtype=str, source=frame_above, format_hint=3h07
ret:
5h54
